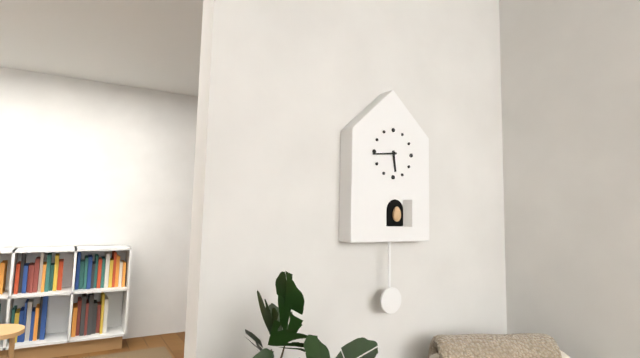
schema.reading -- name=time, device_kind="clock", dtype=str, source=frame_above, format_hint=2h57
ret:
5h44
